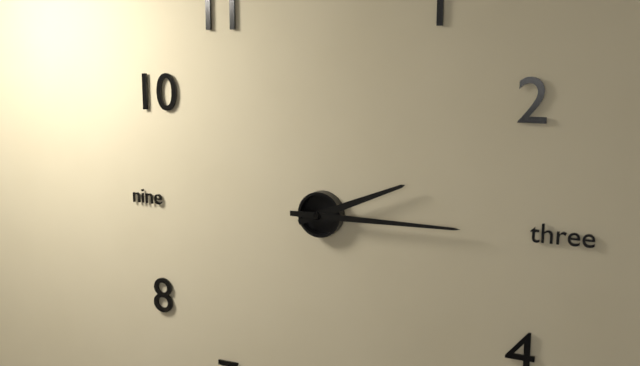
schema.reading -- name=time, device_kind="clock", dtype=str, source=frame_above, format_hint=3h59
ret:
2h15
